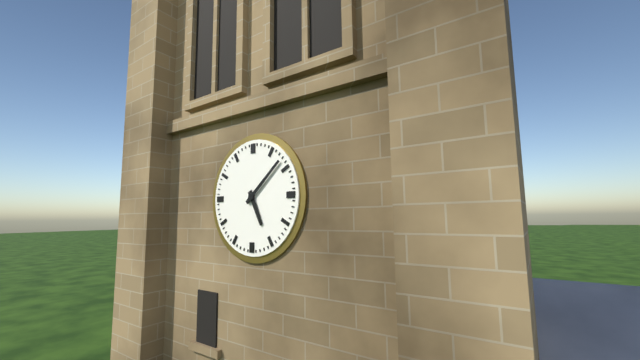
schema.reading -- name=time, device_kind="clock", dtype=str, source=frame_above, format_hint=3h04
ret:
5h08
